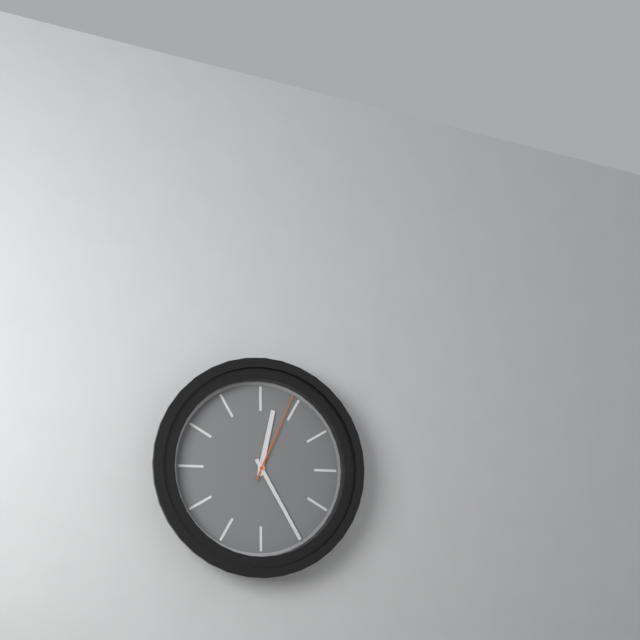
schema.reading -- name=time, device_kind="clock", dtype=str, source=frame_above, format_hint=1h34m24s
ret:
12h25m04s
